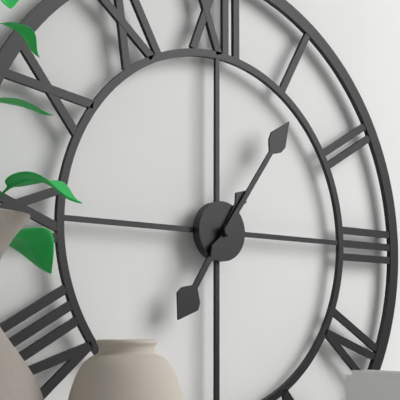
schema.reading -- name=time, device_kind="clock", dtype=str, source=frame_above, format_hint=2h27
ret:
7h06
